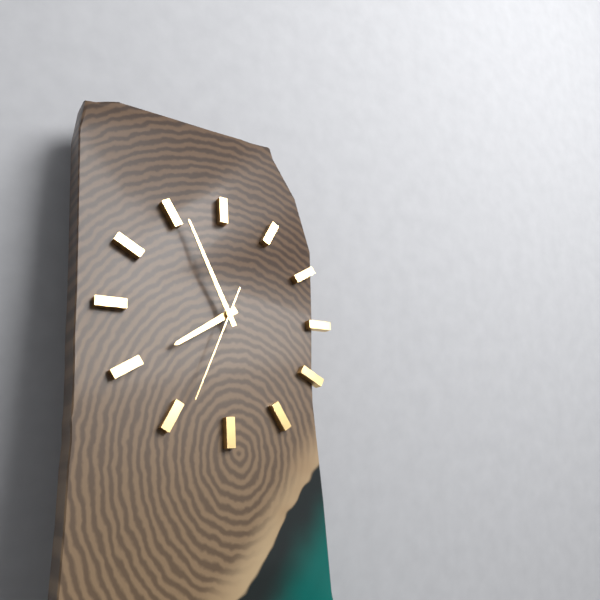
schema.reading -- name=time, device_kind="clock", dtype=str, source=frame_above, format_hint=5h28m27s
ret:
7h56m34s
